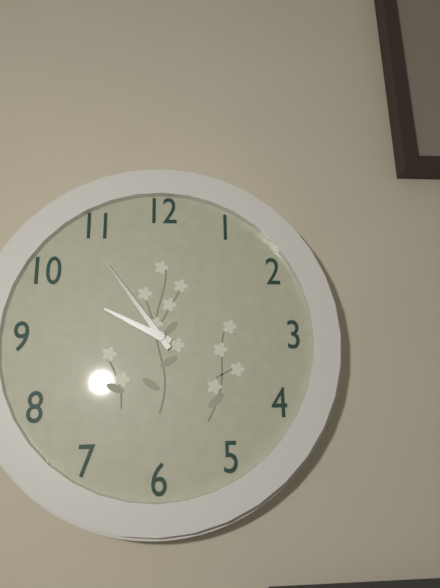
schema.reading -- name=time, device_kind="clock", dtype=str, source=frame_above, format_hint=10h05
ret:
9h54
